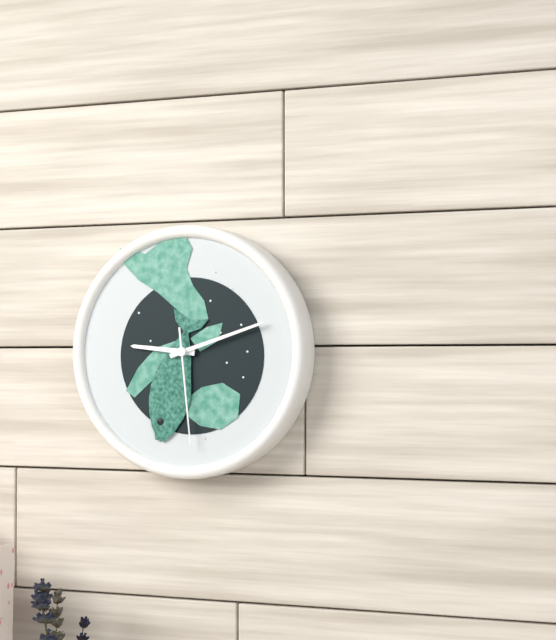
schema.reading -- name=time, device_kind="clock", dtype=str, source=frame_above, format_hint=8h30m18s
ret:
9h12m29s
